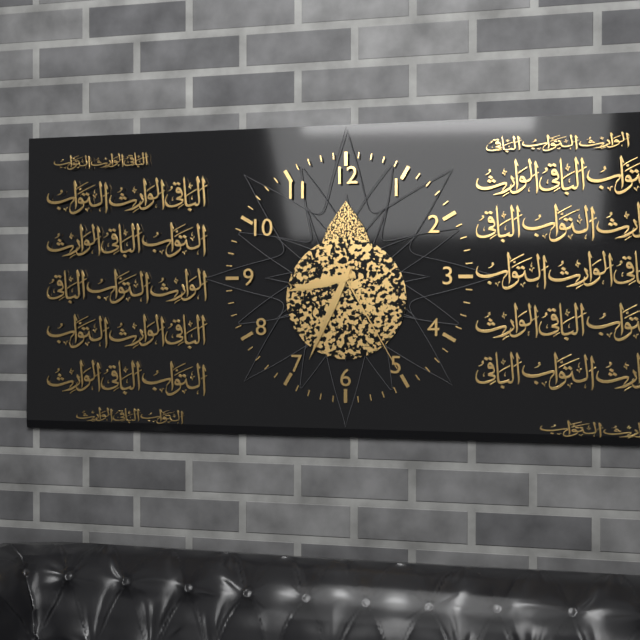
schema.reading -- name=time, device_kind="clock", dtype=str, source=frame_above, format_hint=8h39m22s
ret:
8h34m25s
